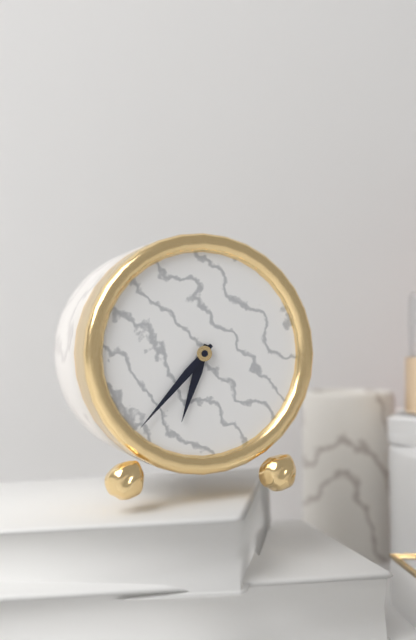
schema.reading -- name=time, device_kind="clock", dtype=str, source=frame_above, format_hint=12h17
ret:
6h37
